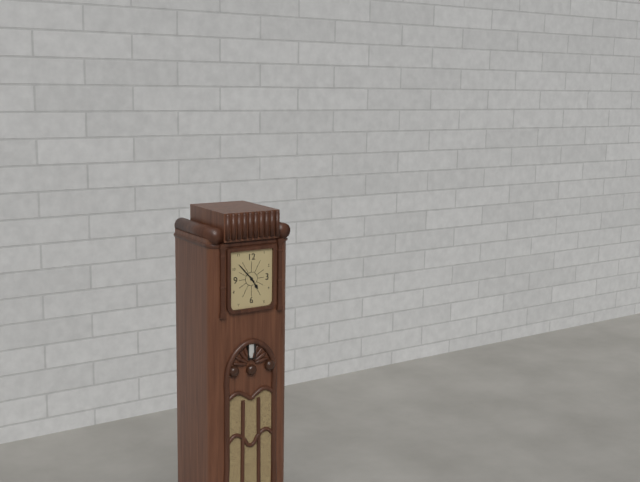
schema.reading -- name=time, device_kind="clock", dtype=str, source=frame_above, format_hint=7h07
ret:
4h53
